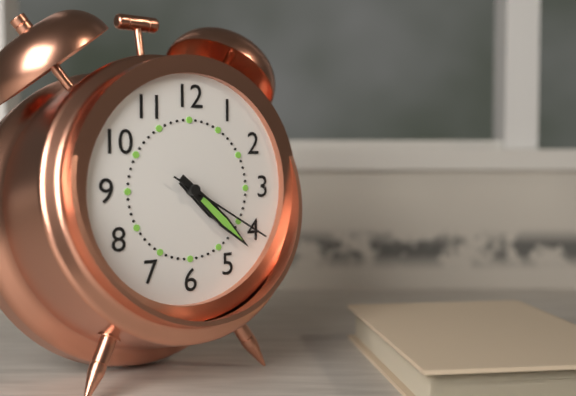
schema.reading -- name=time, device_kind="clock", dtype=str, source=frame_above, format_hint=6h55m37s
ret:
4h22m20s
